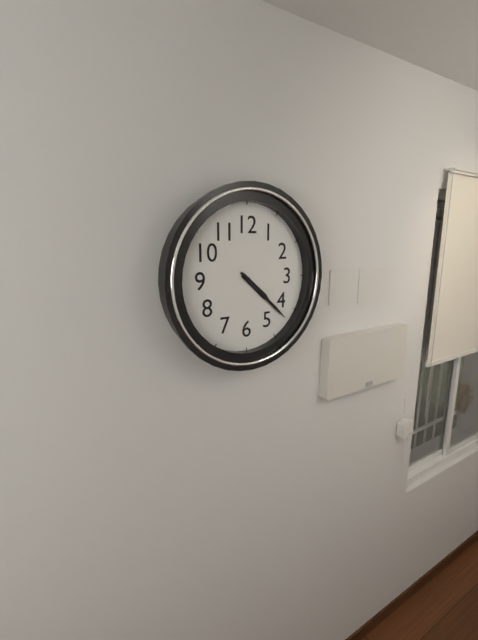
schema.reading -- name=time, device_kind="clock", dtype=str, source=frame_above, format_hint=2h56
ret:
4h22
